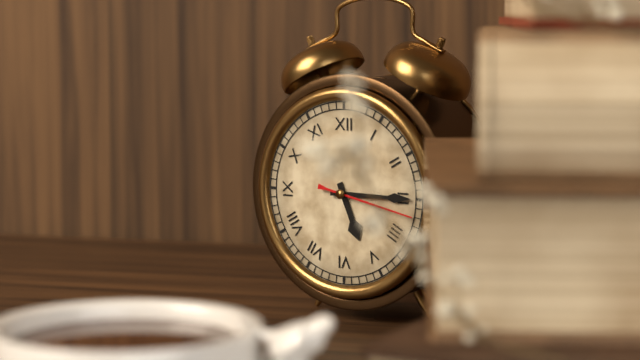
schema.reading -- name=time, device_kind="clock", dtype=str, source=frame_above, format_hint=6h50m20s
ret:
5h15m17s
